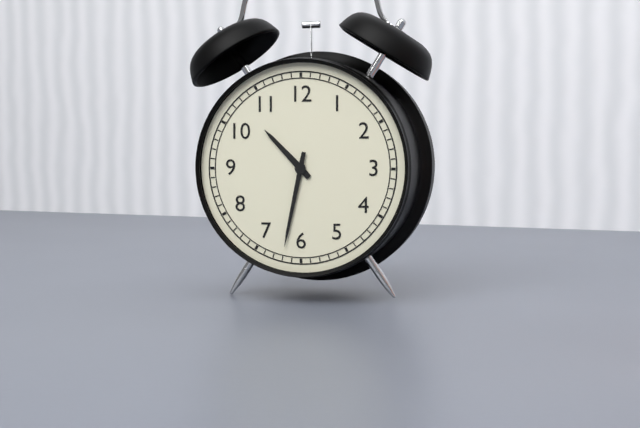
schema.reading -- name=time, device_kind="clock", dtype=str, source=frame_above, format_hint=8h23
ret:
10h32
